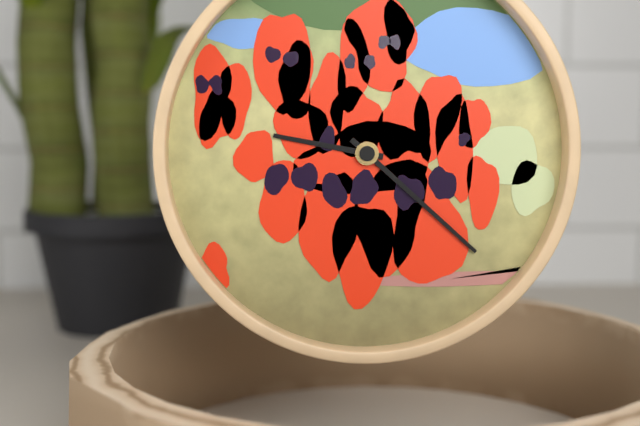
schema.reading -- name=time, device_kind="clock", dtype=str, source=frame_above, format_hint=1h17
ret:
9h22
